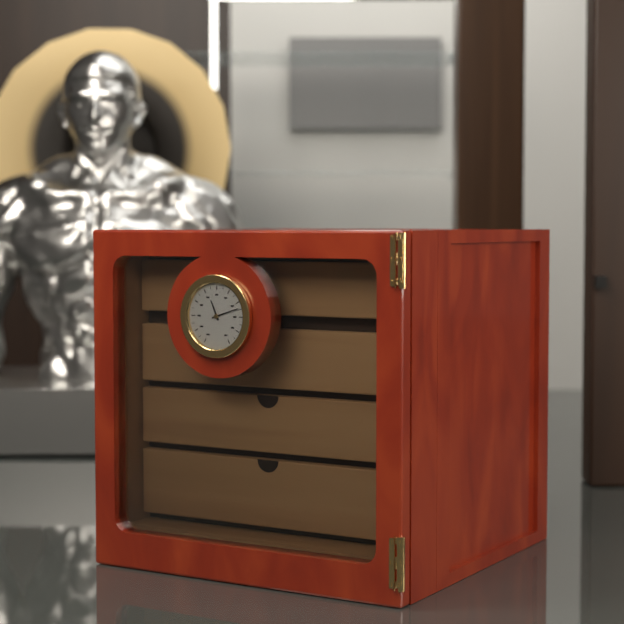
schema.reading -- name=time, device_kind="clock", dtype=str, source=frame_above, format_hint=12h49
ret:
11h12
